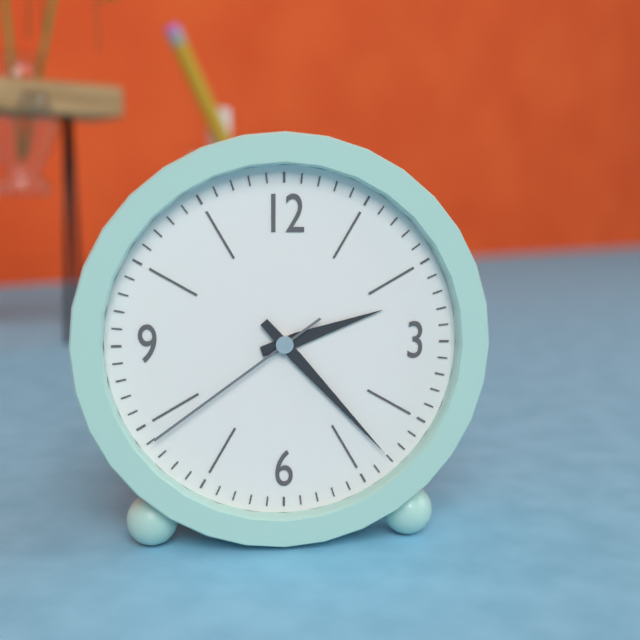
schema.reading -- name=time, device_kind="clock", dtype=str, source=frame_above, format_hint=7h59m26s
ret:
2h23m39s
